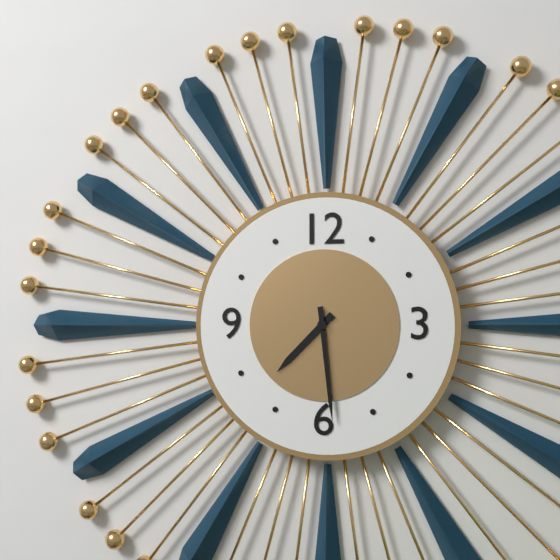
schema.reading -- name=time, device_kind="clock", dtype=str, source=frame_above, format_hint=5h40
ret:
7h29
